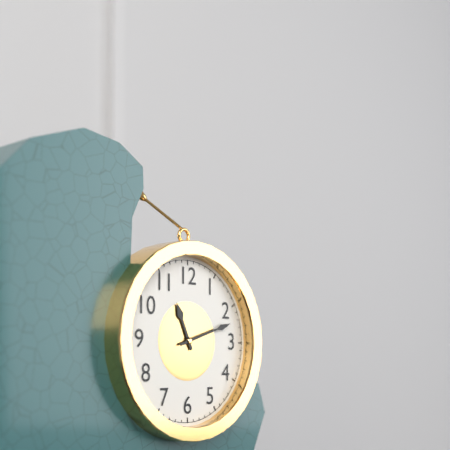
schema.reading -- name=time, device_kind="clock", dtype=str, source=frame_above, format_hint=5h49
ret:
11h12
